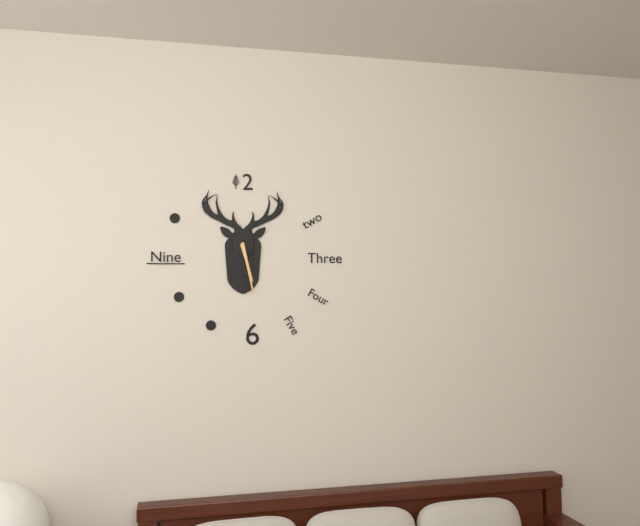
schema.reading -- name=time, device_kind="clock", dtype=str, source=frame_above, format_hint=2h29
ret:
5h28
